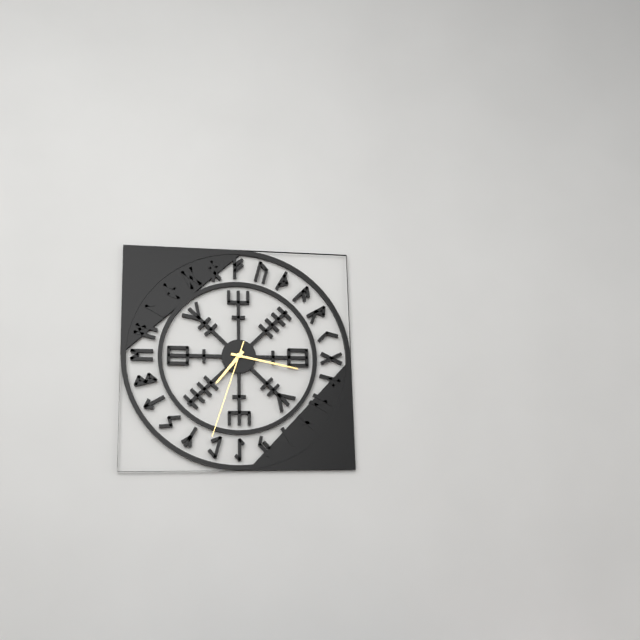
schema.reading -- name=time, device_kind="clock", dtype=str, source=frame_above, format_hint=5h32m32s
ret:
7h17m33s
